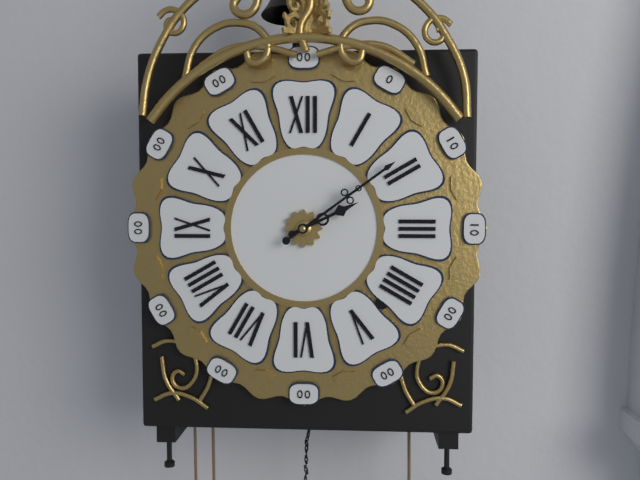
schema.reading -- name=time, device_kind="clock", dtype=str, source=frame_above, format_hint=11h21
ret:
2h09
